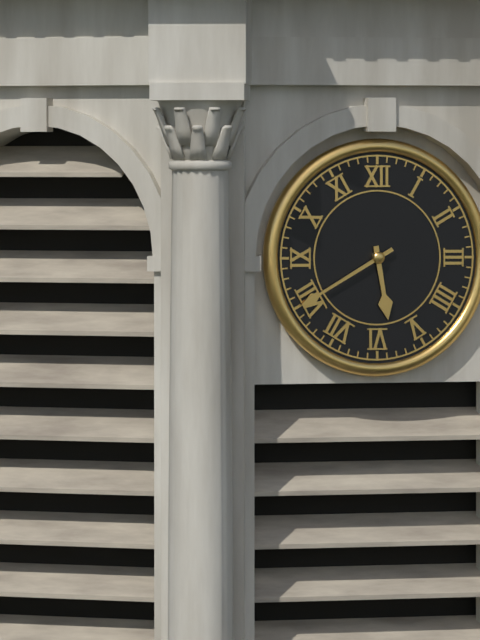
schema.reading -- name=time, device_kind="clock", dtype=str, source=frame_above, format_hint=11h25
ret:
5h40
